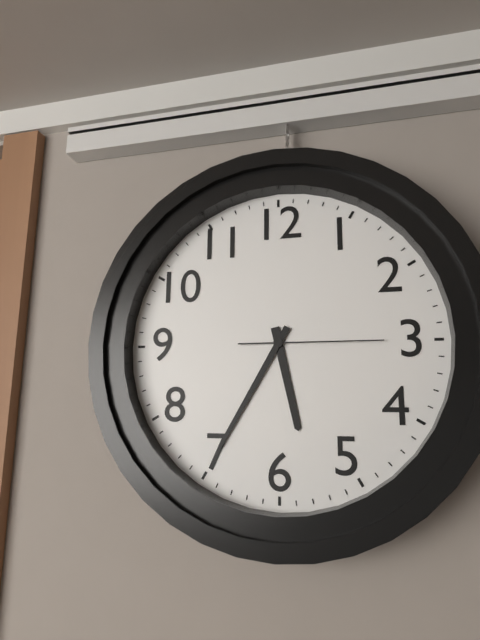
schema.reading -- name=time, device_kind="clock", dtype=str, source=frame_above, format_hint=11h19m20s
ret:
5h35m15s
